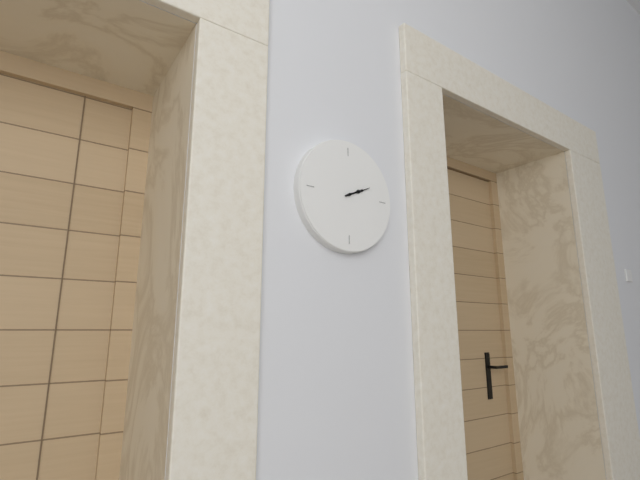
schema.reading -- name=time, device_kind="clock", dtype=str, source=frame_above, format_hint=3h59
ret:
2h11
